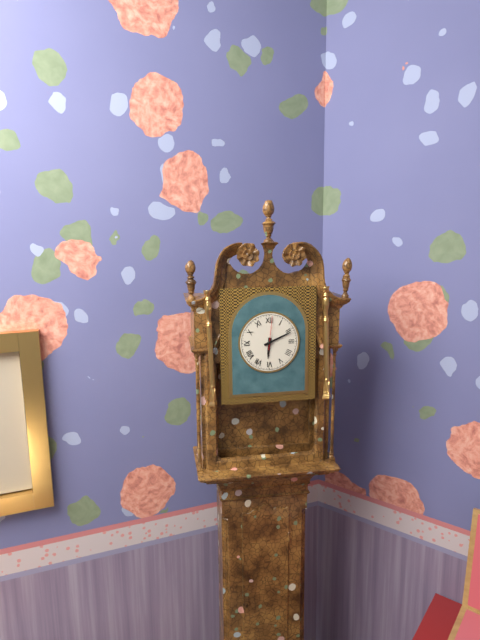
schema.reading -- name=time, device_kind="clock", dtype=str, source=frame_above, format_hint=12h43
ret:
6h11
